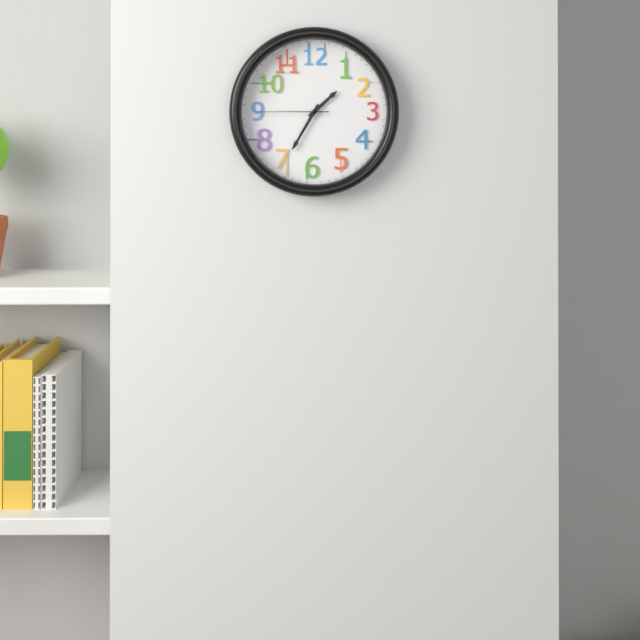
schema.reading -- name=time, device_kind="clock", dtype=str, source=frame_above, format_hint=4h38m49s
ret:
1h35m45s
